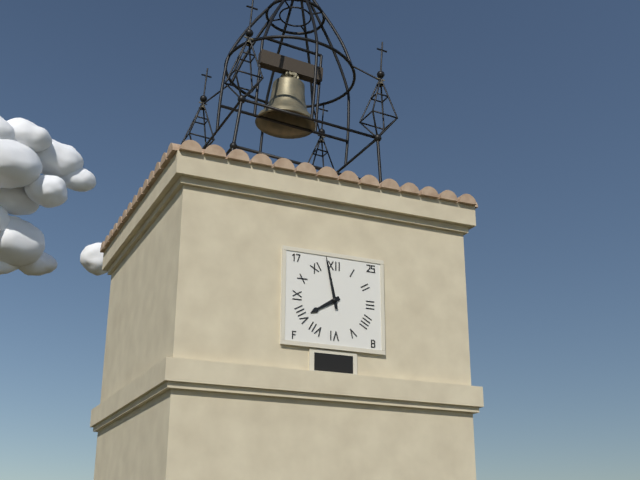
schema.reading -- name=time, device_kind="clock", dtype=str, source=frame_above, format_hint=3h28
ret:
7h58
